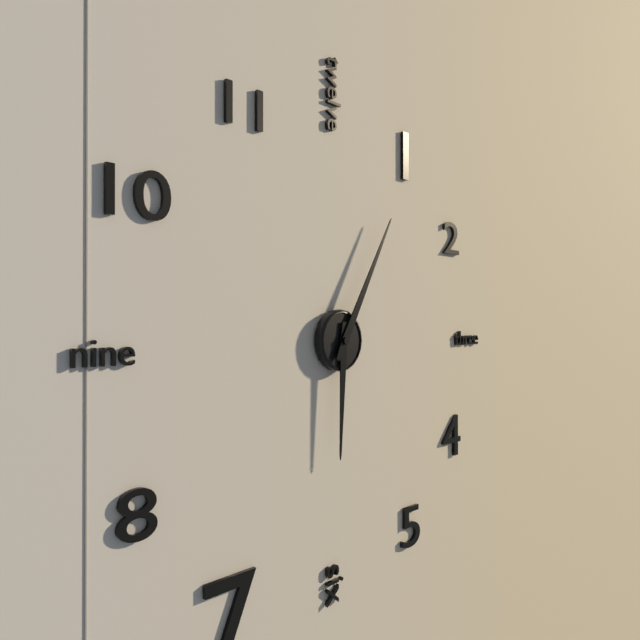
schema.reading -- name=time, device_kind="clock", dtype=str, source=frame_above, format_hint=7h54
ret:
6h05
